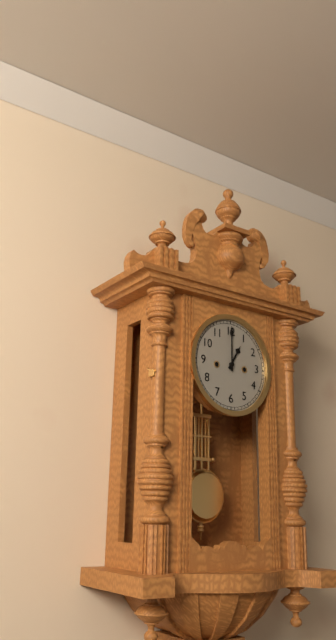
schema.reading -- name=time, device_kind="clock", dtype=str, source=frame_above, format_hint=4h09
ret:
1h00
